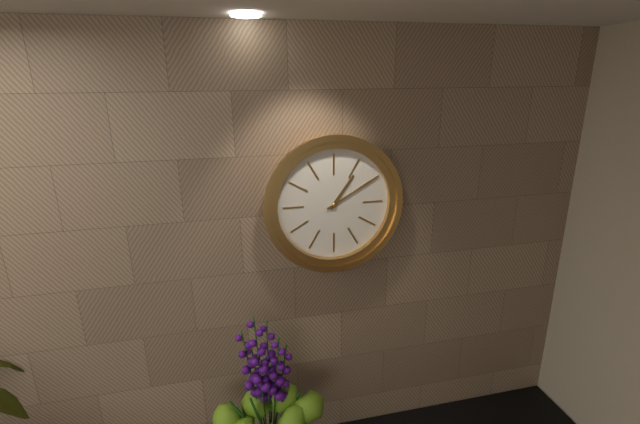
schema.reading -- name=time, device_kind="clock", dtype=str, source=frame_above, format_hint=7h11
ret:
1h10
